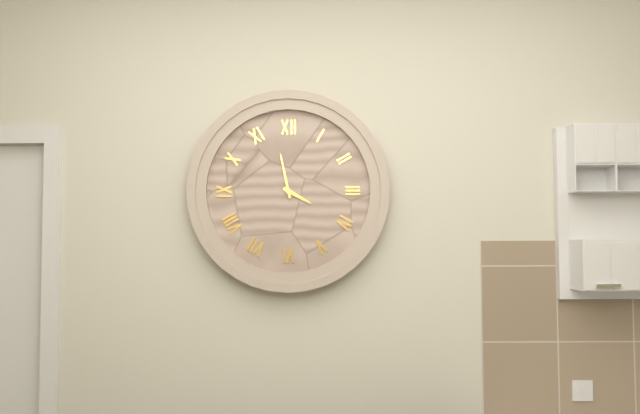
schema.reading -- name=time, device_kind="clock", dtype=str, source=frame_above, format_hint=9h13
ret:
3h58
